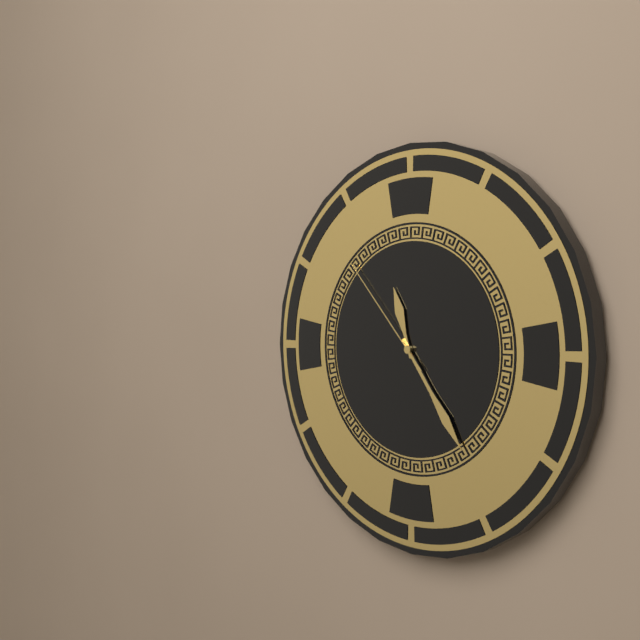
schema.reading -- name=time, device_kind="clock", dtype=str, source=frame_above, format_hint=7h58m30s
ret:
11h24m53s
